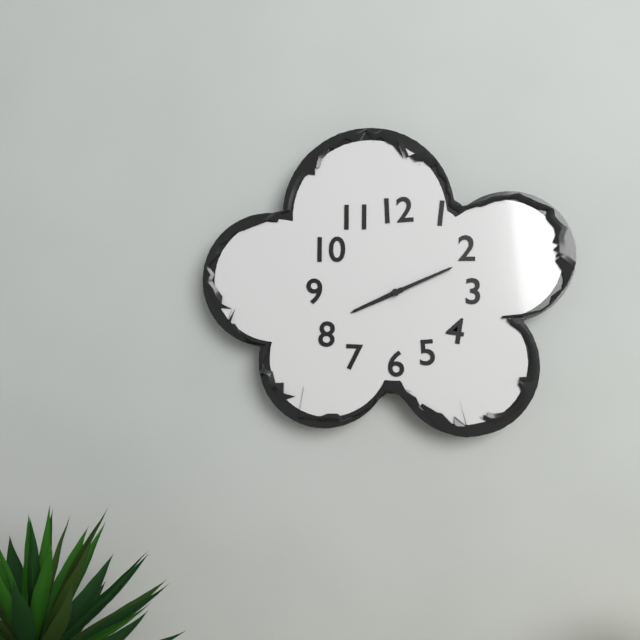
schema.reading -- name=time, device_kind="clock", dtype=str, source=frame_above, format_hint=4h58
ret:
8h11
